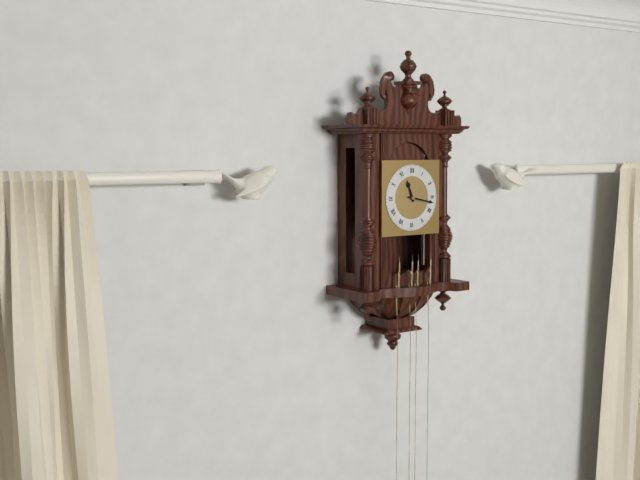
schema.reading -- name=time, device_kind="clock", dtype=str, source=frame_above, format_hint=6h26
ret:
11h17
